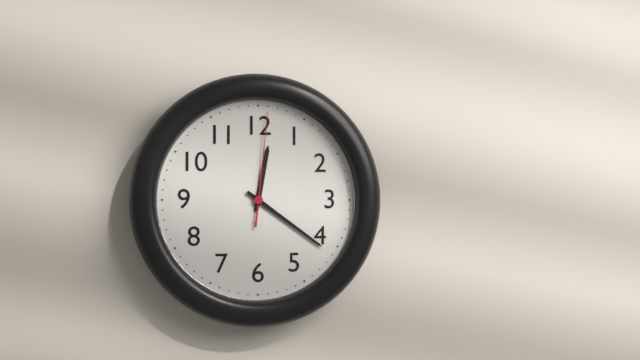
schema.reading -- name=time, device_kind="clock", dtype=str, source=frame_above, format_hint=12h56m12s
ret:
12h21m01s
